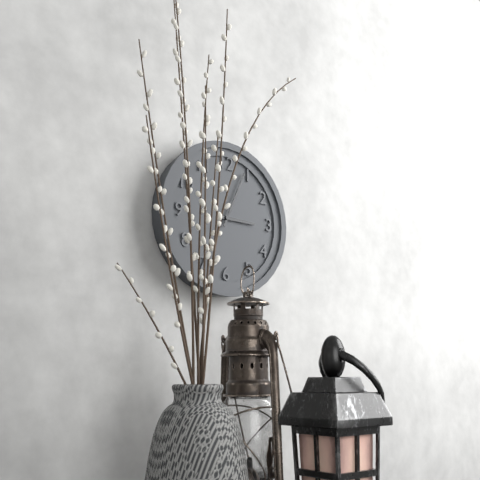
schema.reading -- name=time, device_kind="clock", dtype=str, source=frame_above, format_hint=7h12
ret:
3h04
